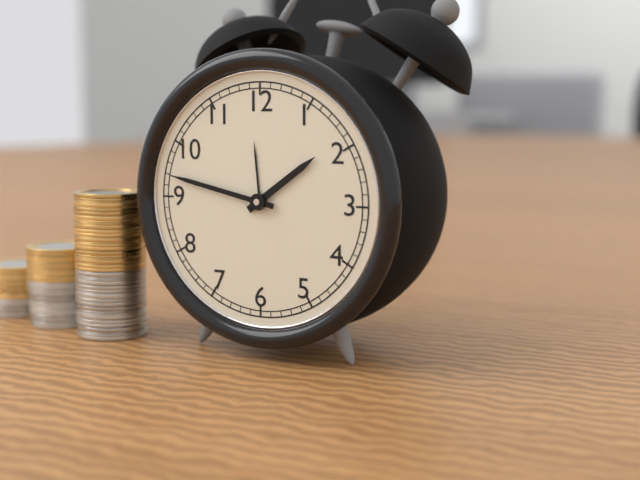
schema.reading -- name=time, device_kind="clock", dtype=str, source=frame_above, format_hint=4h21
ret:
1h47
